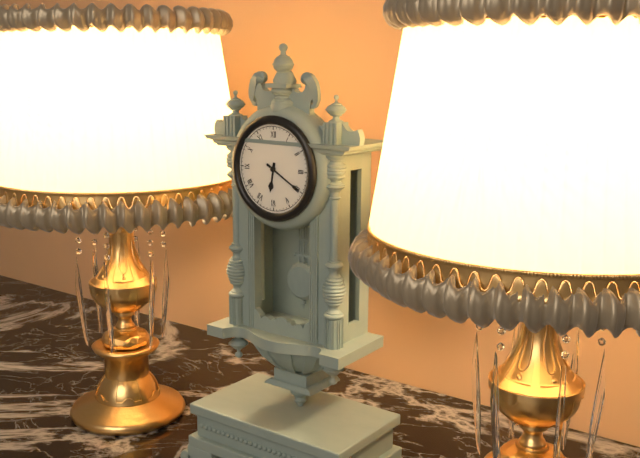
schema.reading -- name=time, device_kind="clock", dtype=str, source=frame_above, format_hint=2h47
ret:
6h20
